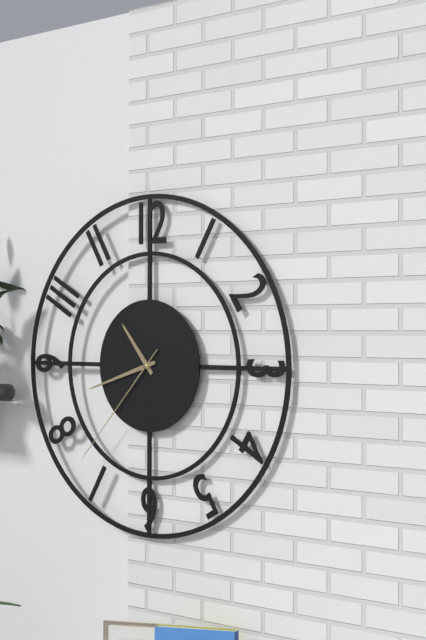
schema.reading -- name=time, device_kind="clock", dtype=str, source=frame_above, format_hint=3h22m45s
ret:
10h42m37s
